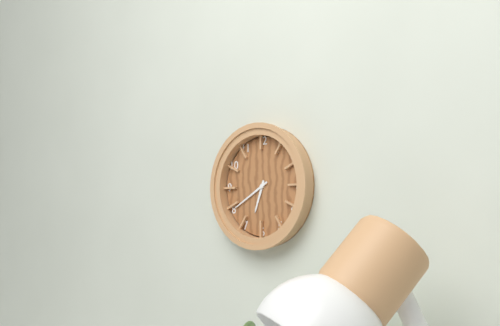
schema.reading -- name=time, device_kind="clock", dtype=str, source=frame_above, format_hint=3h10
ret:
6h40
